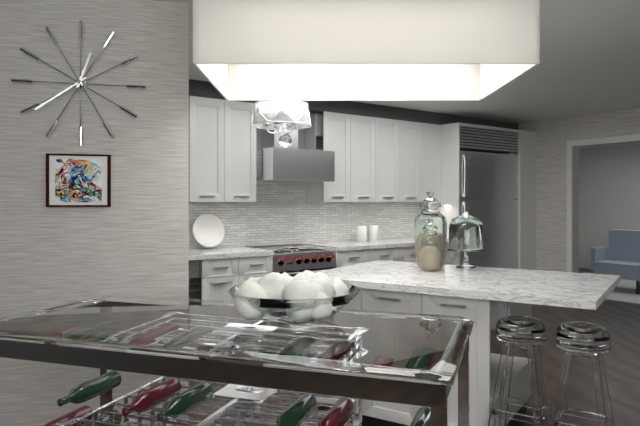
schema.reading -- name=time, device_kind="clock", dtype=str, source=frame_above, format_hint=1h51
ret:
12h39
